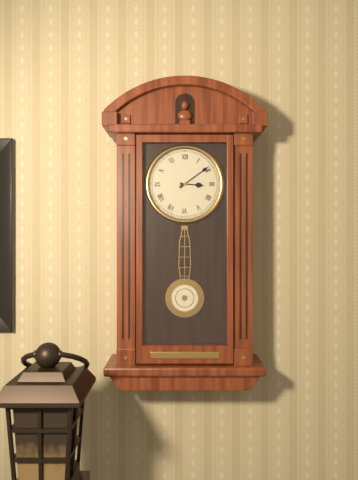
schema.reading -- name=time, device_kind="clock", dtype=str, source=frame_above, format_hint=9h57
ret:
3h09
